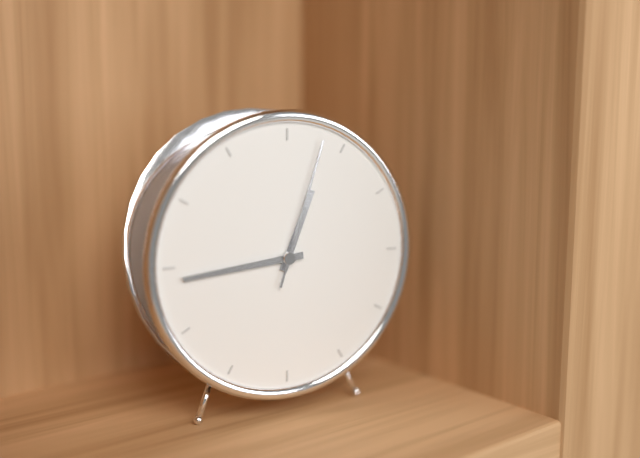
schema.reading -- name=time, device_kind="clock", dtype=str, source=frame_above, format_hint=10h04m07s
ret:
12h44m03s
